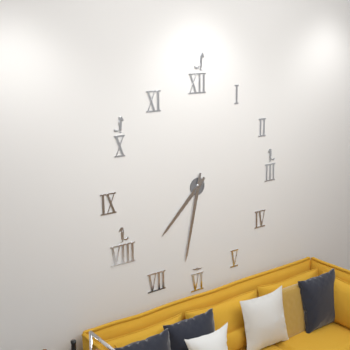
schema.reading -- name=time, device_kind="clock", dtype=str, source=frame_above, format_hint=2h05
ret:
7h32
